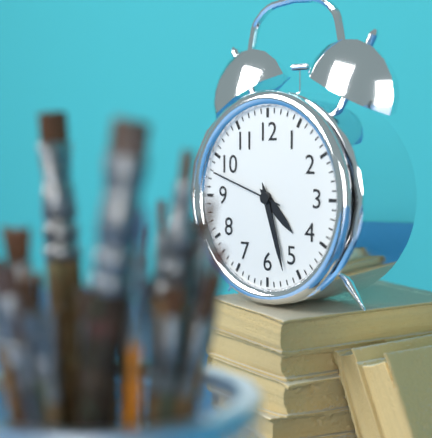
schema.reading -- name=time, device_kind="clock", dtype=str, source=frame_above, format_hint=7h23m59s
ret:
4h27m48s
